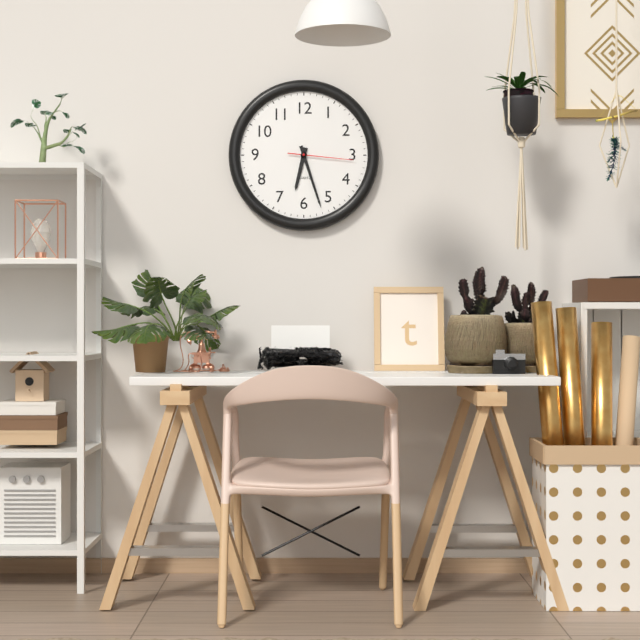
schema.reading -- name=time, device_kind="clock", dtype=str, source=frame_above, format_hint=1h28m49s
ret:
6h27m16s
